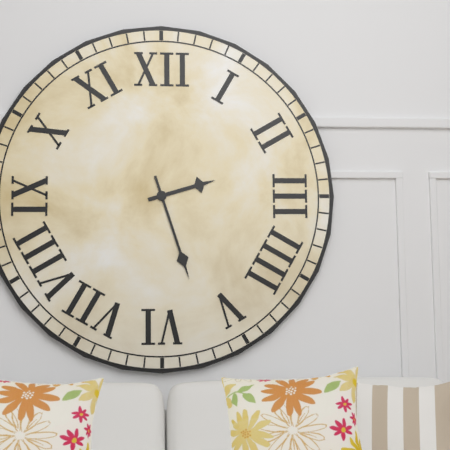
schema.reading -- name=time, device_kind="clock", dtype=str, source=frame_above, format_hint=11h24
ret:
2h27
